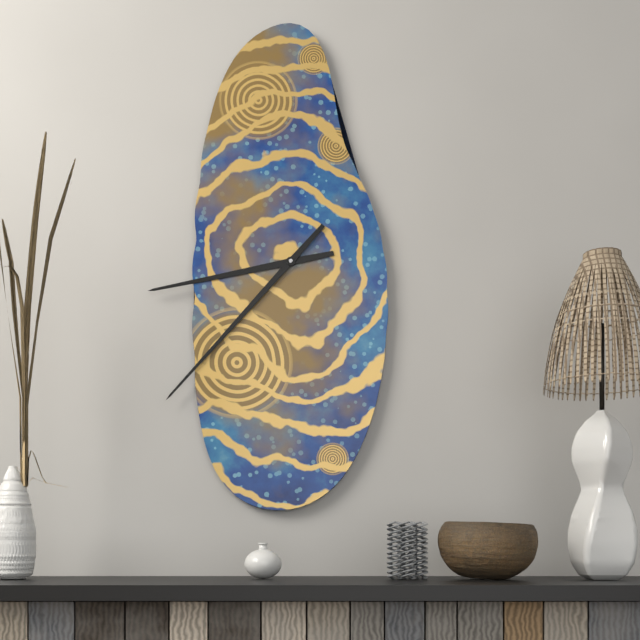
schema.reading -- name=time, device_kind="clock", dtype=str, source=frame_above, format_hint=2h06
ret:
8h37
